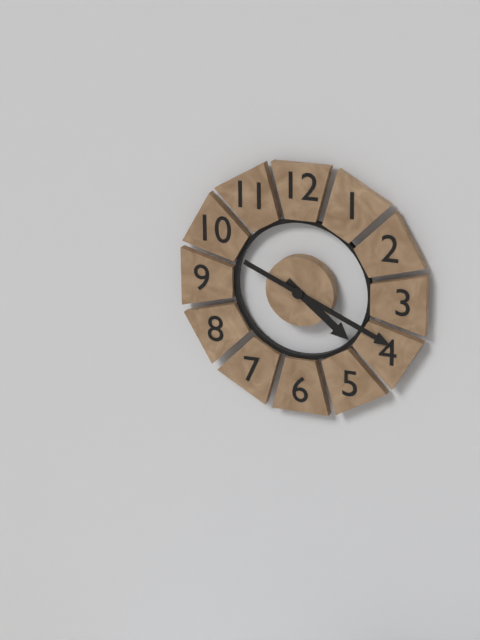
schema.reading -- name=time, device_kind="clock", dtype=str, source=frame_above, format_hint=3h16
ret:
4h19
